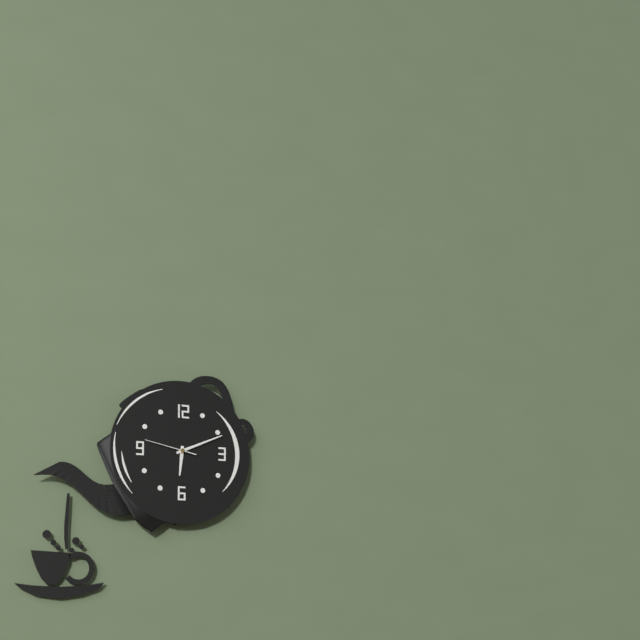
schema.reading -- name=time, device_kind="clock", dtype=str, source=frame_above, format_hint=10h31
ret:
6h11
